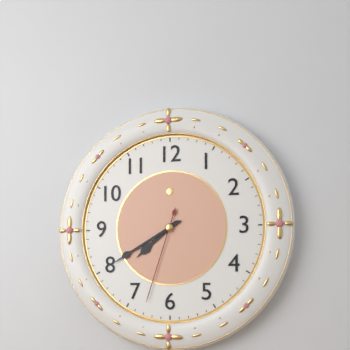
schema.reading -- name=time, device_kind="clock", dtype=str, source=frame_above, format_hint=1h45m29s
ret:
7h40m33s
